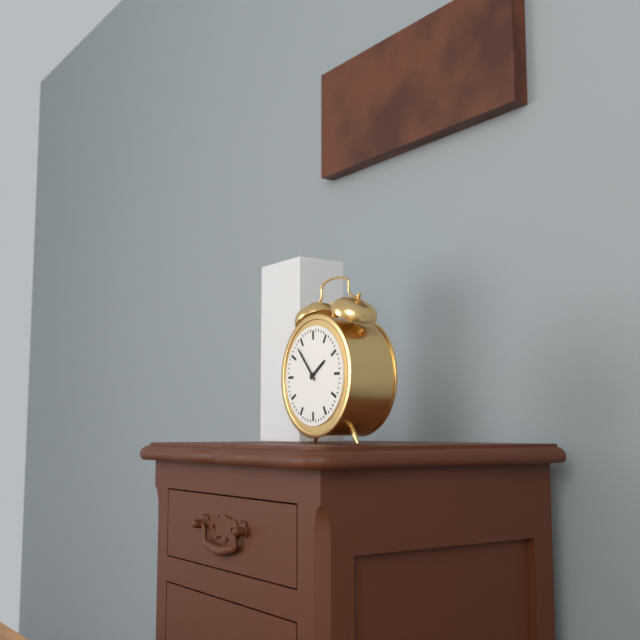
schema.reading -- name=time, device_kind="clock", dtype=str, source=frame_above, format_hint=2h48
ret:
1h53
